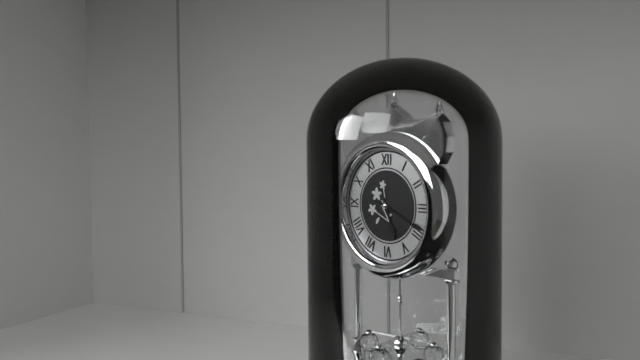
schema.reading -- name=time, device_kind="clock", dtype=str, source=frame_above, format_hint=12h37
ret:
5h19
